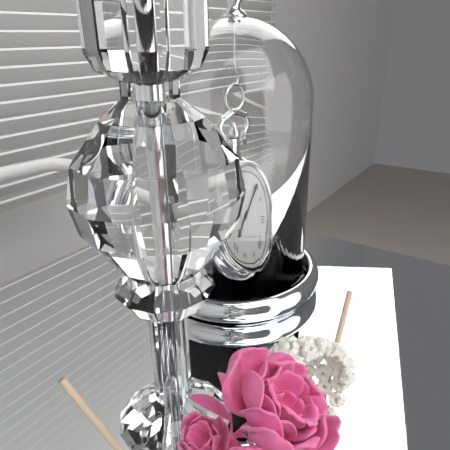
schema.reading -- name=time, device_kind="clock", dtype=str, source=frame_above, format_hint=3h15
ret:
7h06
